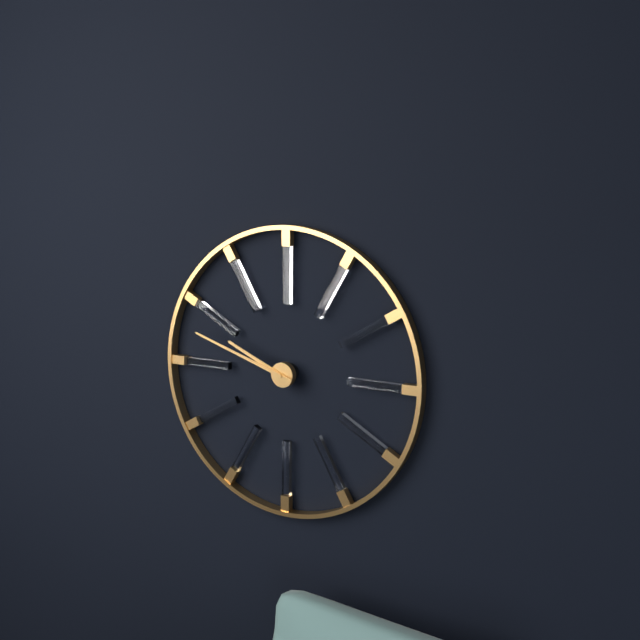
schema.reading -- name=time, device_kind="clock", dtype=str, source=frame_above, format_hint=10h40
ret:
9h48
